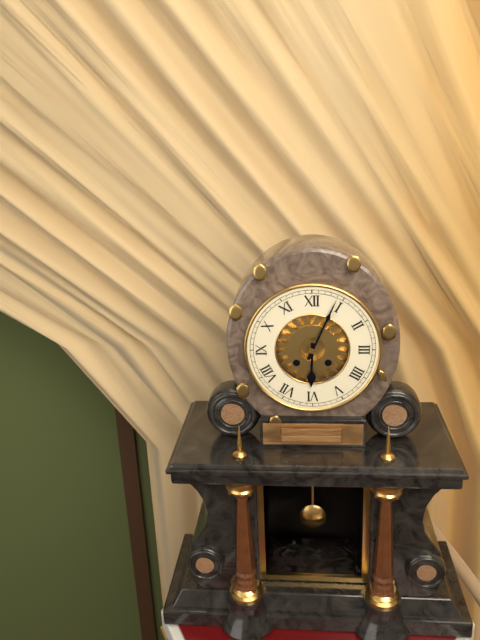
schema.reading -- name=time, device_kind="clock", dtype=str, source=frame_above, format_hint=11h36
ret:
6h04
